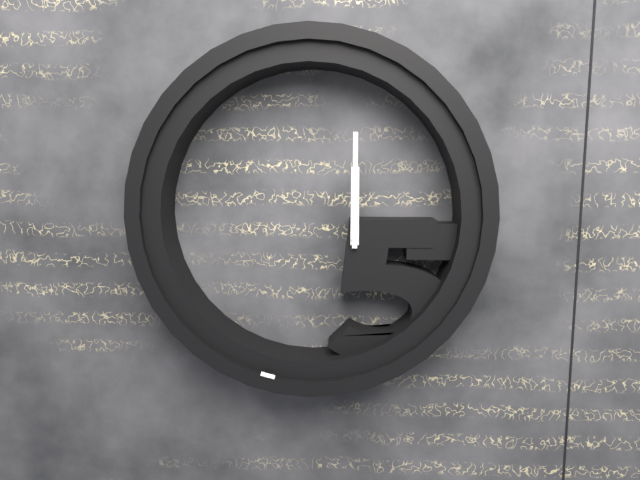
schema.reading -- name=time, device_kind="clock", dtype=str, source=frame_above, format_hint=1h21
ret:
12h00
